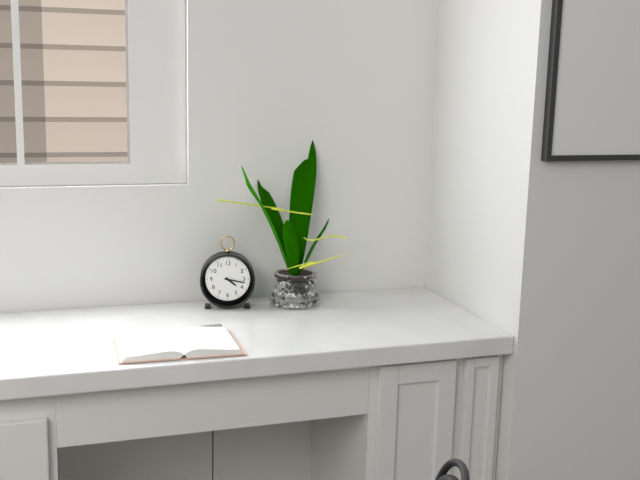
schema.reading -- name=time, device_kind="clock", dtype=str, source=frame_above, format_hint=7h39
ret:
4h17
